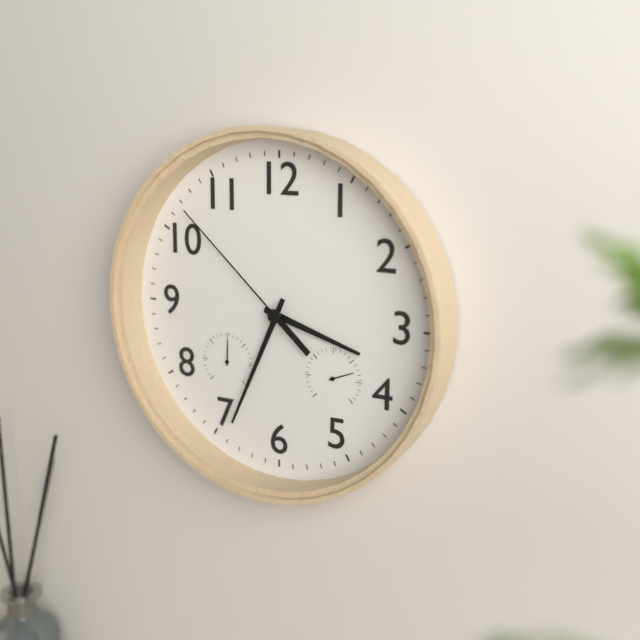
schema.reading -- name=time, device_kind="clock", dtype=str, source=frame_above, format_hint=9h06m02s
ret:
3h34m52s
